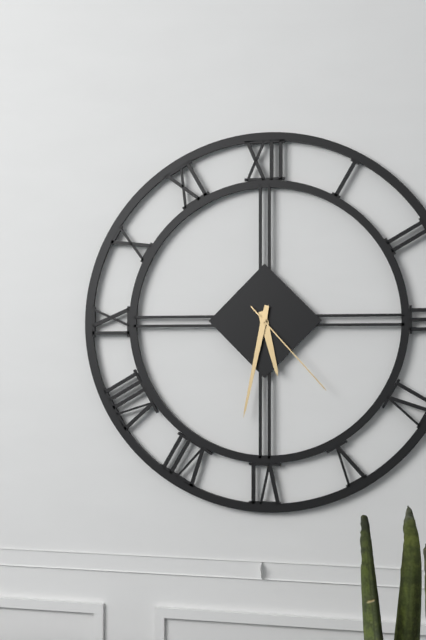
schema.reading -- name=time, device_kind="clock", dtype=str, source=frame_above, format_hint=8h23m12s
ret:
5h32m23s
